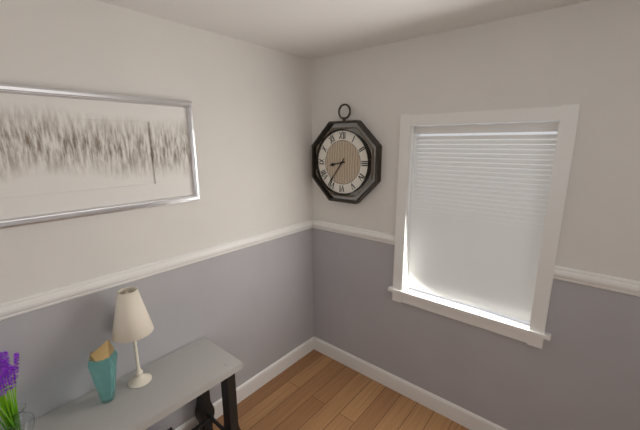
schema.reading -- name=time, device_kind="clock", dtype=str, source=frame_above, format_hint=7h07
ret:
8h36
